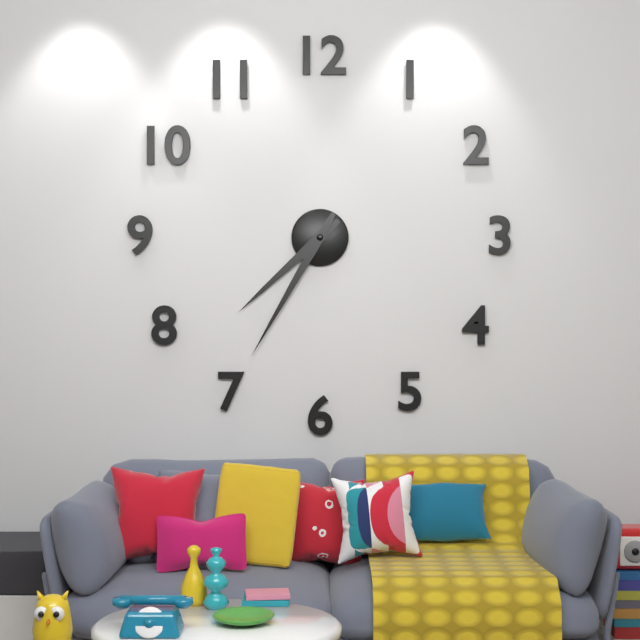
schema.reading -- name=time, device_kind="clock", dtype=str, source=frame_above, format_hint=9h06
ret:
7h35
